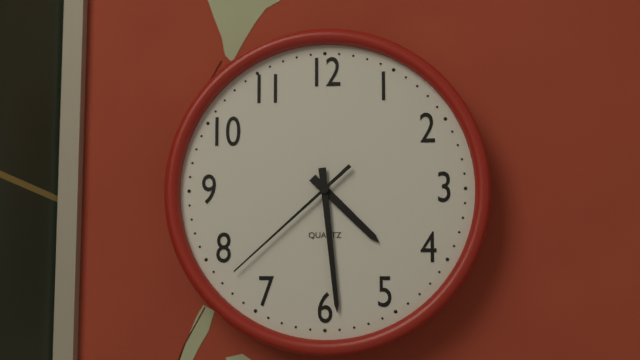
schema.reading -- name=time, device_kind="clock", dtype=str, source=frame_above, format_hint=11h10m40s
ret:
4h29m38s
